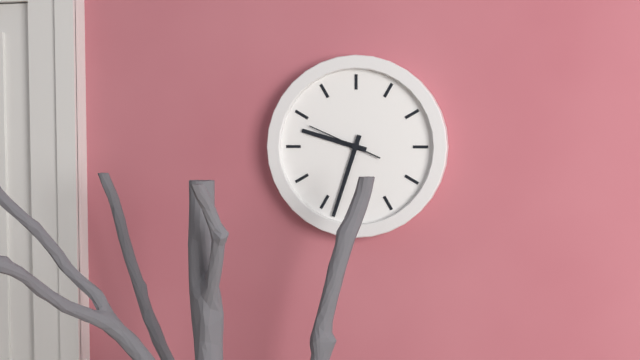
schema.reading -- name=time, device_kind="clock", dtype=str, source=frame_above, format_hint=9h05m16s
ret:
9h33m49s
